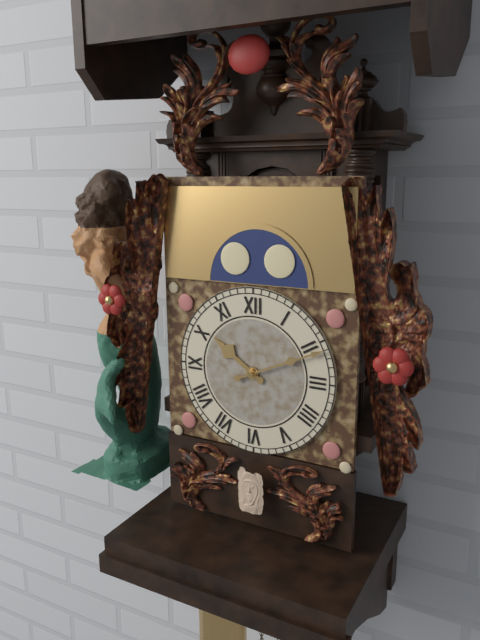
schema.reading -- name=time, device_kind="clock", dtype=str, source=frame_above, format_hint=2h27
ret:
10h11
